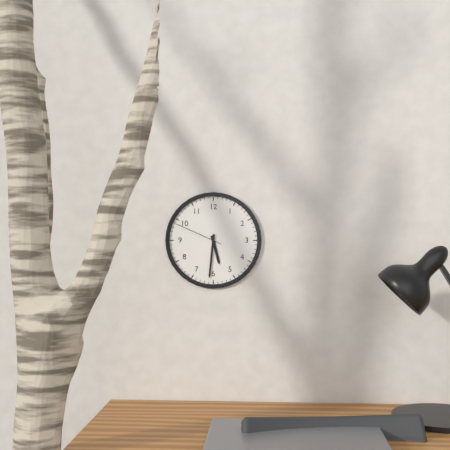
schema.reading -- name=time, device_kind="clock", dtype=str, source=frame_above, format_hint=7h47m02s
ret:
5h31m49s
